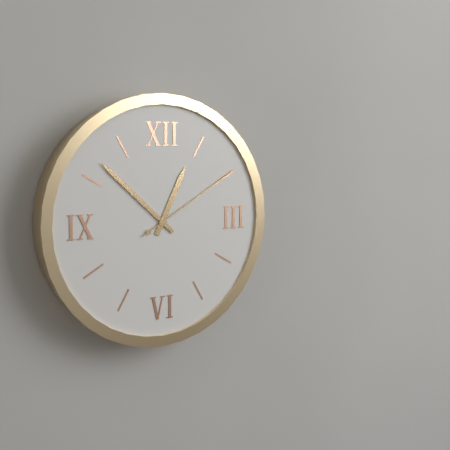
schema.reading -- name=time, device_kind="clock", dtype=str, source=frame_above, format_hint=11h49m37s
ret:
12h52m10s
